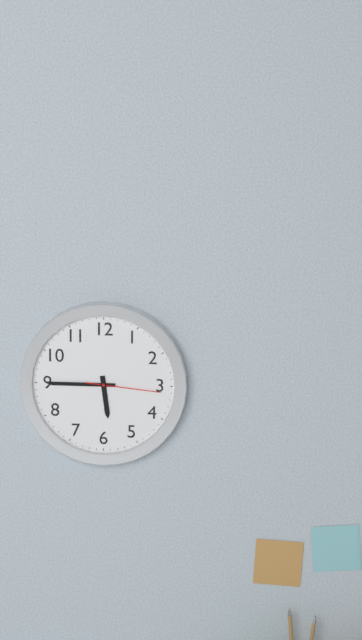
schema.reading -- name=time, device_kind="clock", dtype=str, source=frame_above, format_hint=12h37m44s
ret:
5h45m16s
